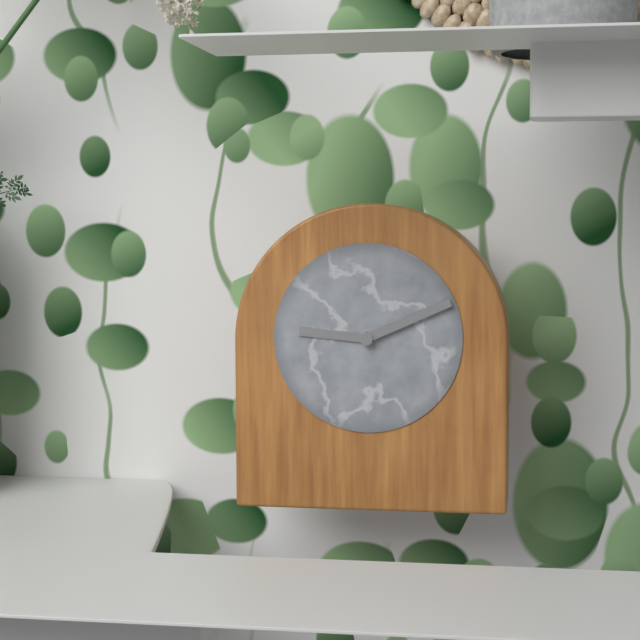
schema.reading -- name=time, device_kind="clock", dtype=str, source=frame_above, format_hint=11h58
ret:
9h11
